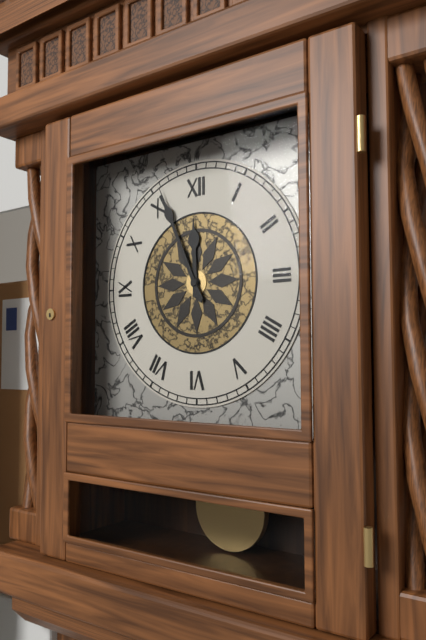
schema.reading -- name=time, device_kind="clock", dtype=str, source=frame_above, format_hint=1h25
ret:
11h56
